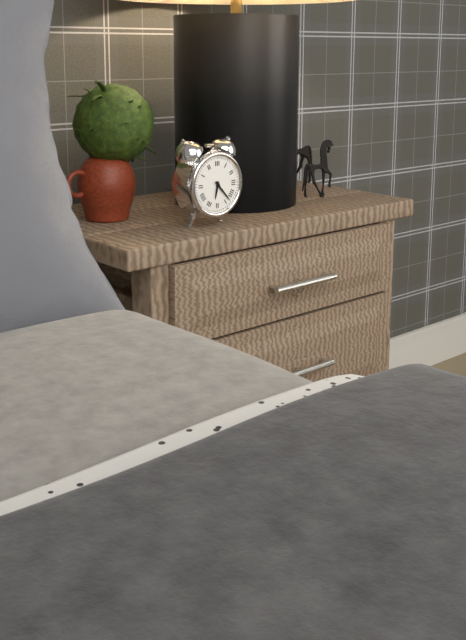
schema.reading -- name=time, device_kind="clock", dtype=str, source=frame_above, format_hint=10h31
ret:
6h23
